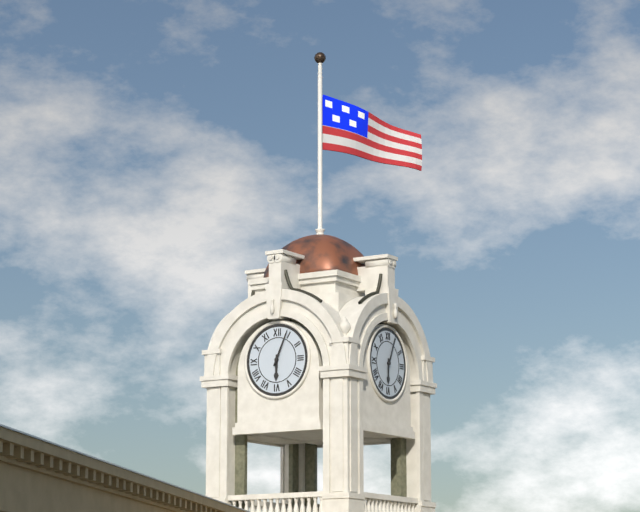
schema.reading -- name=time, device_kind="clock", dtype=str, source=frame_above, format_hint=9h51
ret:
6h04
